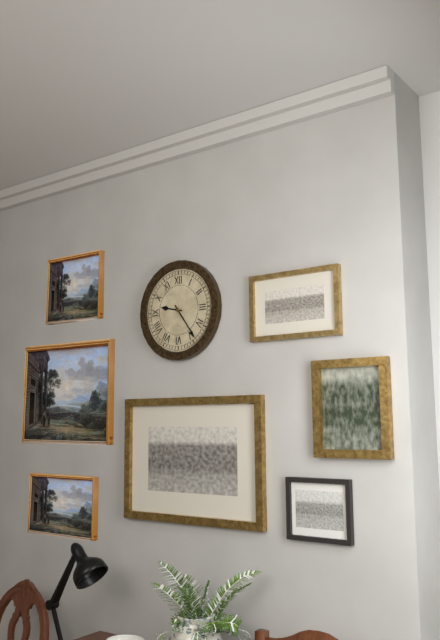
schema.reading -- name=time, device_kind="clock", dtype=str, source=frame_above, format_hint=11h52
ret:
9h24
